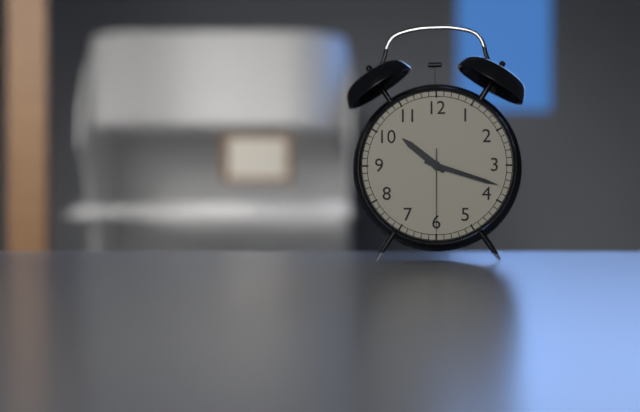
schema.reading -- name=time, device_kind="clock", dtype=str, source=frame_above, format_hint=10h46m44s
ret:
10h18m30s
